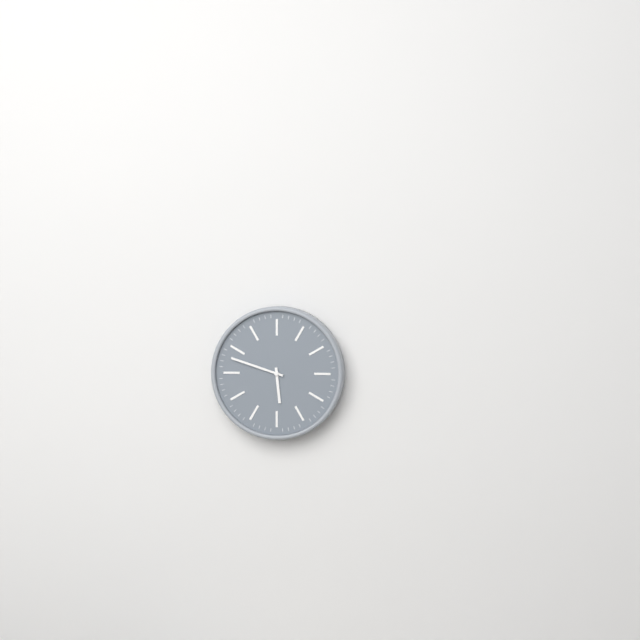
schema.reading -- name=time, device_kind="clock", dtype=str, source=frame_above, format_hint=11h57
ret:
5h48
